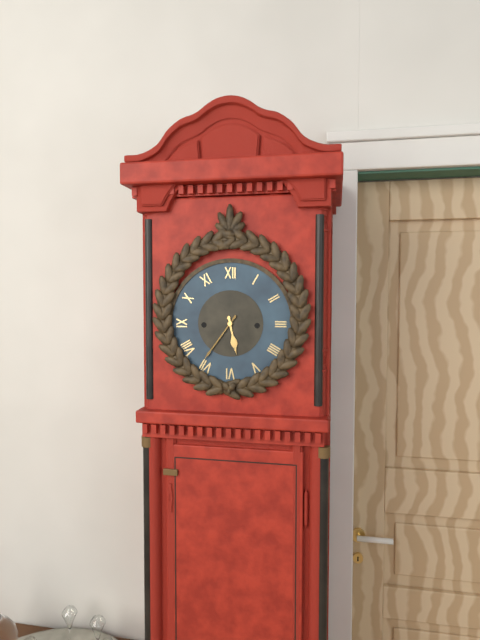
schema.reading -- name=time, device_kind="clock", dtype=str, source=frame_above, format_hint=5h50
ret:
5h36
